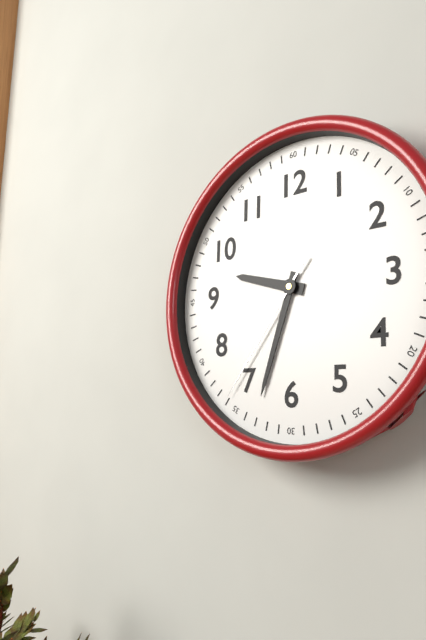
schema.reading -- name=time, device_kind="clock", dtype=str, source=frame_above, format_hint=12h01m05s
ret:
9h33m36s
